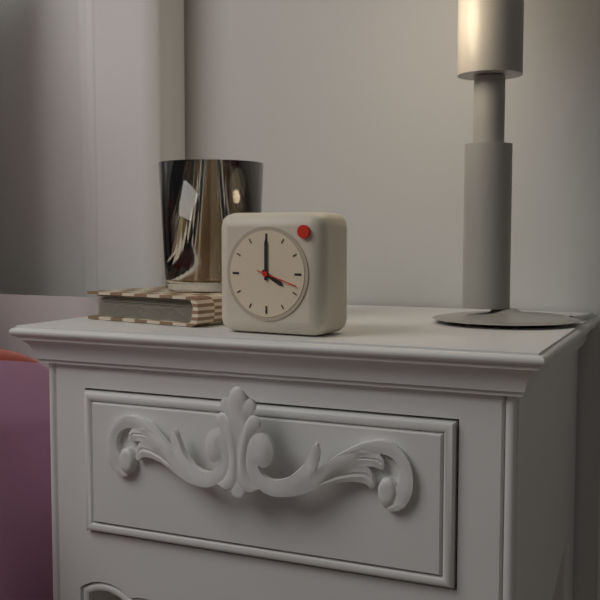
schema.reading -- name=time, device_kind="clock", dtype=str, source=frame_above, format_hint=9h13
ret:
4h00
